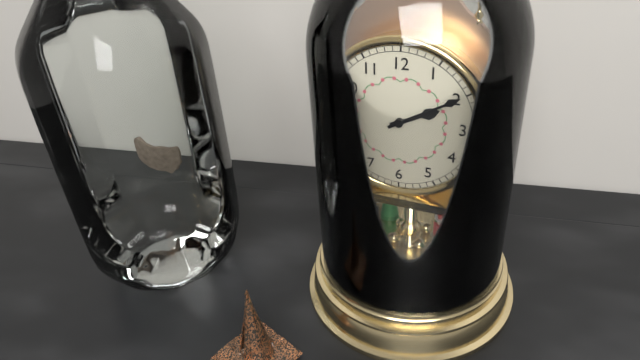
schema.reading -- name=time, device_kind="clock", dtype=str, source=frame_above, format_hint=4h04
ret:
2h10
